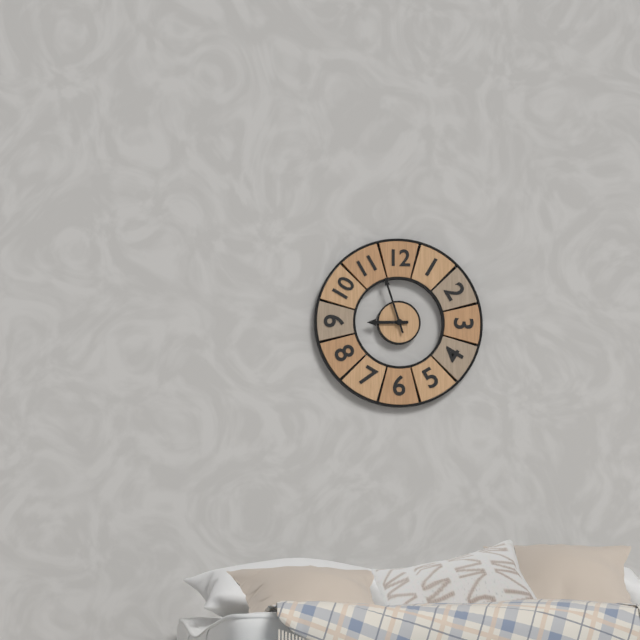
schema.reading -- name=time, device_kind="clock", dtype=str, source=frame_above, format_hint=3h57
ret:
8h57
